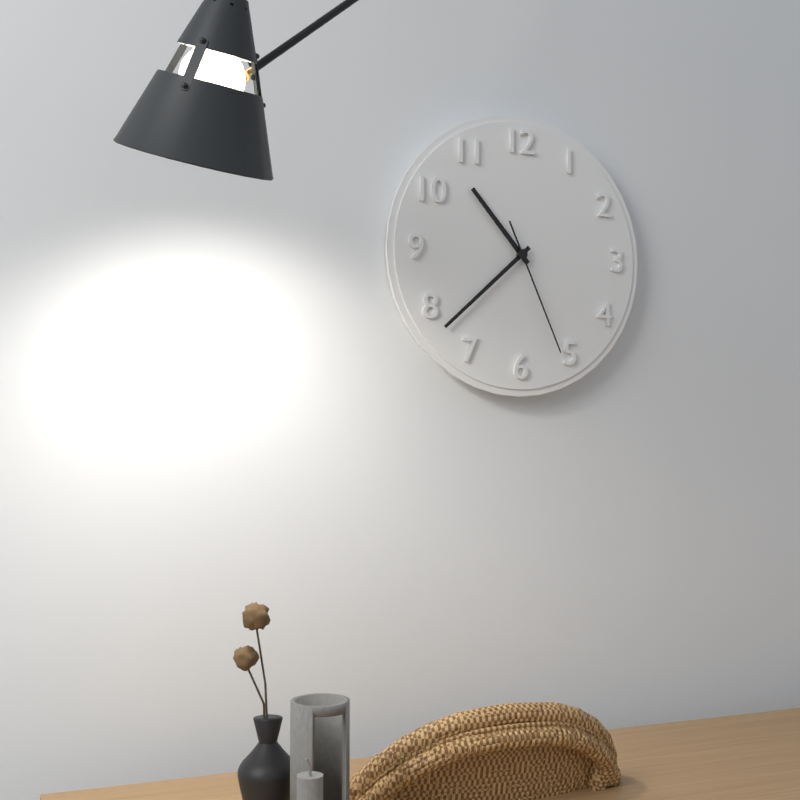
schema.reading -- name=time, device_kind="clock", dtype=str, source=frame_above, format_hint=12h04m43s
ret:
10h38m26s
